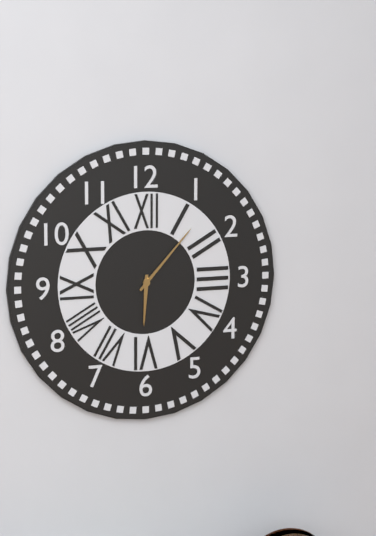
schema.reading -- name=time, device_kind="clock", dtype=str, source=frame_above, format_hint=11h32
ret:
6h07
